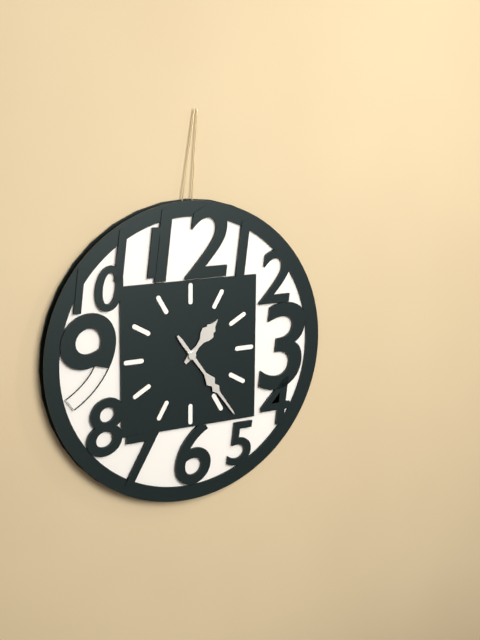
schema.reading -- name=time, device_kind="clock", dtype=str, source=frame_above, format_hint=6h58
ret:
1h24
